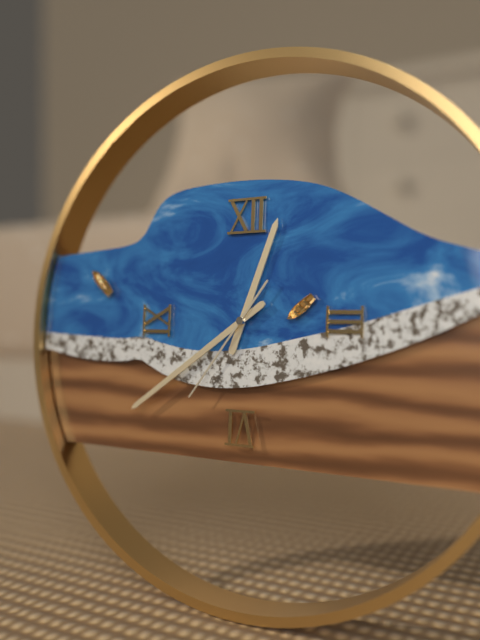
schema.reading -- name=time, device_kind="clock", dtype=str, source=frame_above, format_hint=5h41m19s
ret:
12h39m36s
